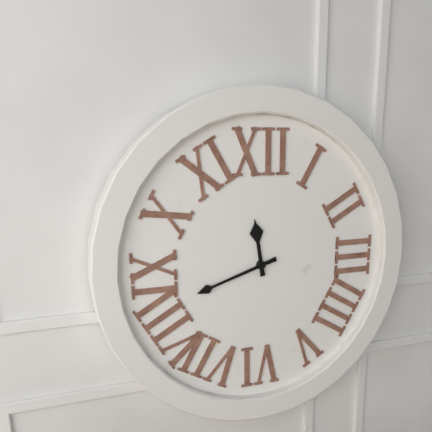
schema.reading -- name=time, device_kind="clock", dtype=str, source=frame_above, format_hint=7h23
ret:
11h42
